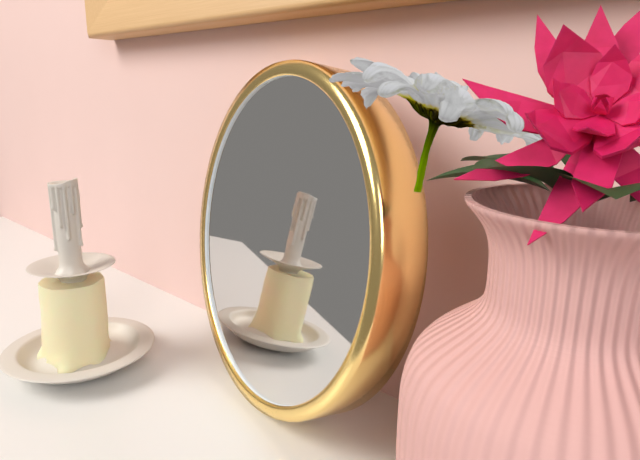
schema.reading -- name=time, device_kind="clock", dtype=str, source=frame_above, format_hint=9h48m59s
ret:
8h36m56s
